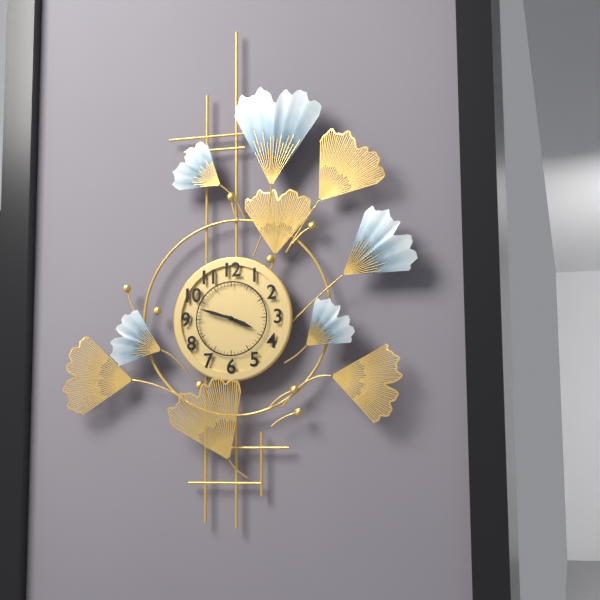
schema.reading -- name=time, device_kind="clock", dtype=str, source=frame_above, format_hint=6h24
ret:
3h48
